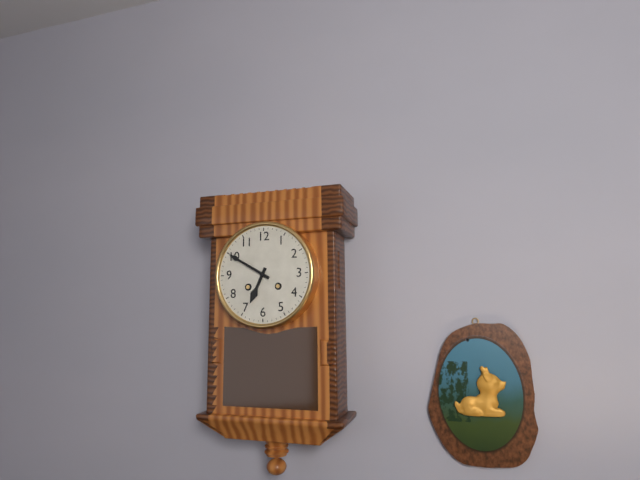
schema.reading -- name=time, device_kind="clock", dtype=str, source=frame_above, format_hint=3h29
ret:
6h50
